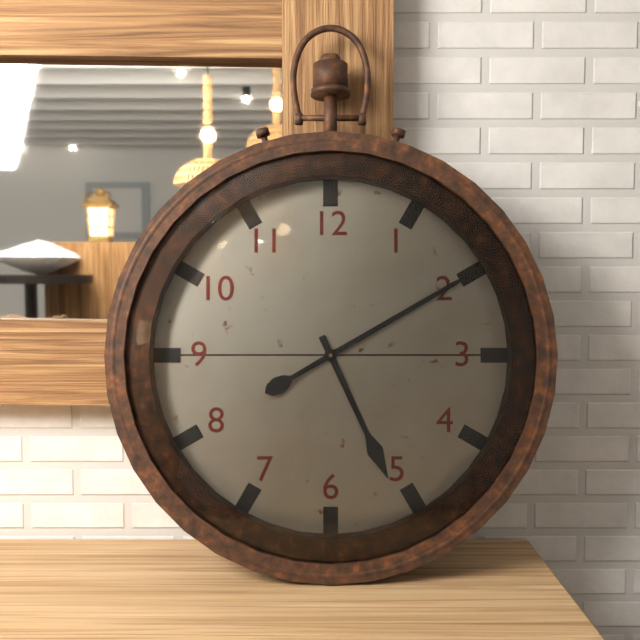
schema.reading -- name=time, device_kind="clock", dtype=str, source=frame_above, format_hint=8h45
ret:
5h10
